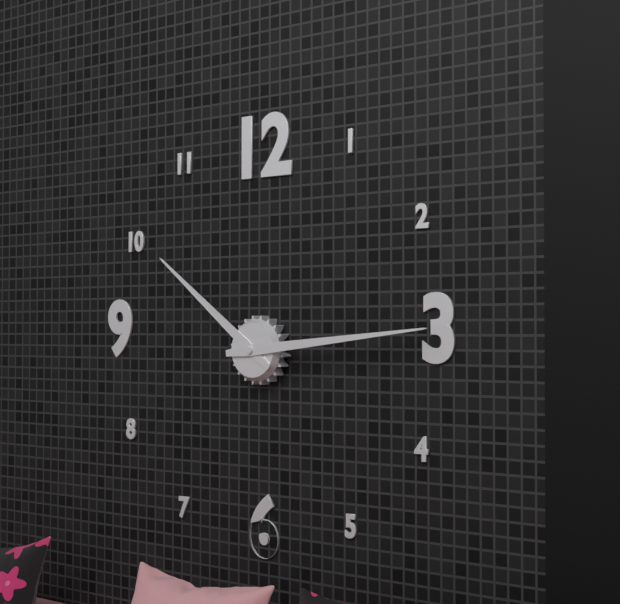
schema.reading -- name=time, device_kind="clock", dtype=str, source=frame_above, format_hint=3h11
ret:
10h14
